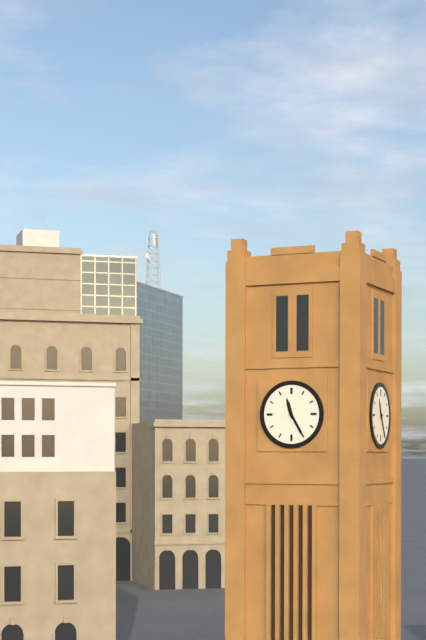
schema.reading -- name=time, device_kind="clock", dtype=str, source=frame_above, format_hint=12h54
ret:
11h25
